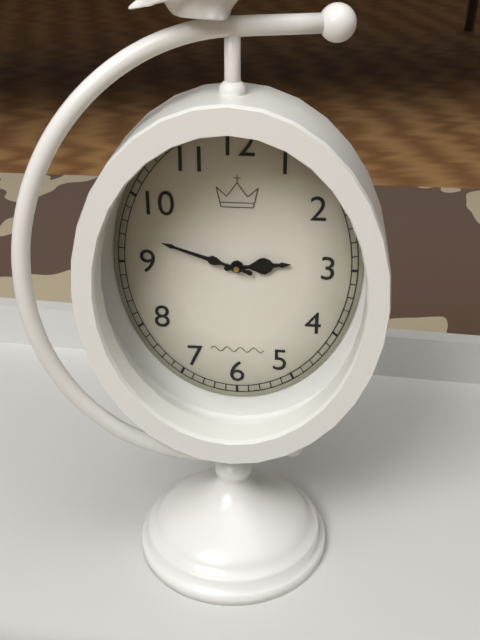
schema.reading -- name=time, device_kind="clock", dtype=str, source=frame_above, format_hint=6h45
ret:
2h48
